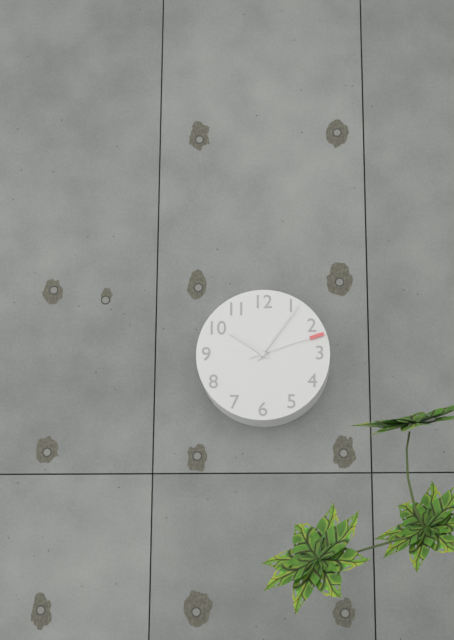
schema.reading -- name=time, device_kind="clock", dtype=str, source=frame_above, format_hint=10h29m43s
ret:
10h06m12s
